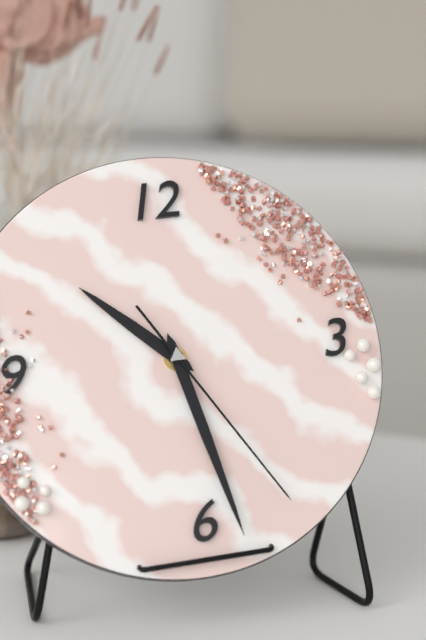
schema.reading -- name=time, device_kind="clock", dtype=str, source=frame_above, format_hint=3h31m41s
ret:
10h28m25s
